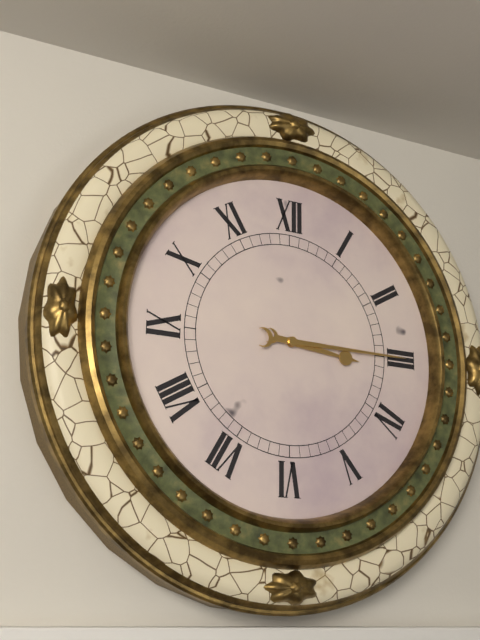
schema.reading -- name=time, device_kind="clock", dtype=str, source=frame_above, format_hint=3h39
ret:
3h15
